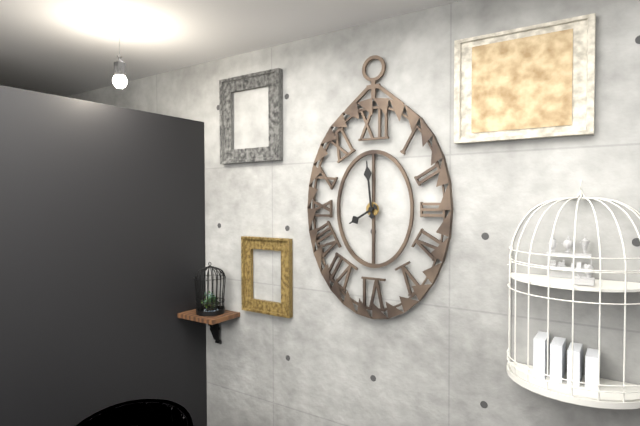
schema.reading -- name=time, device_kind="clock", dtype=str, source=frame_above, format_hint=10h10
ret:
7h59
